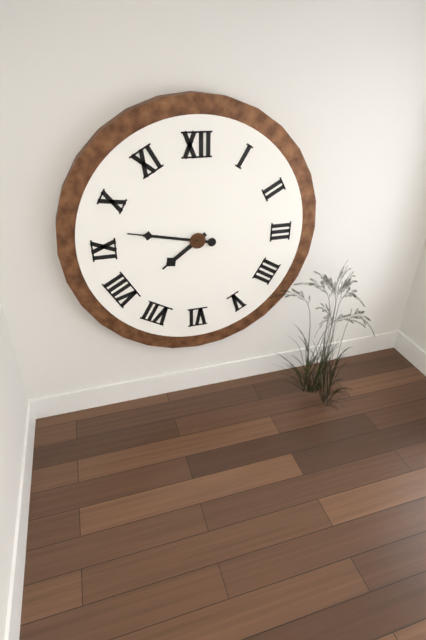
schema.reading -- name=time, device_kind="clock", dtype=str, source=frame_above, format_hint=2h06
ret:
7h47
